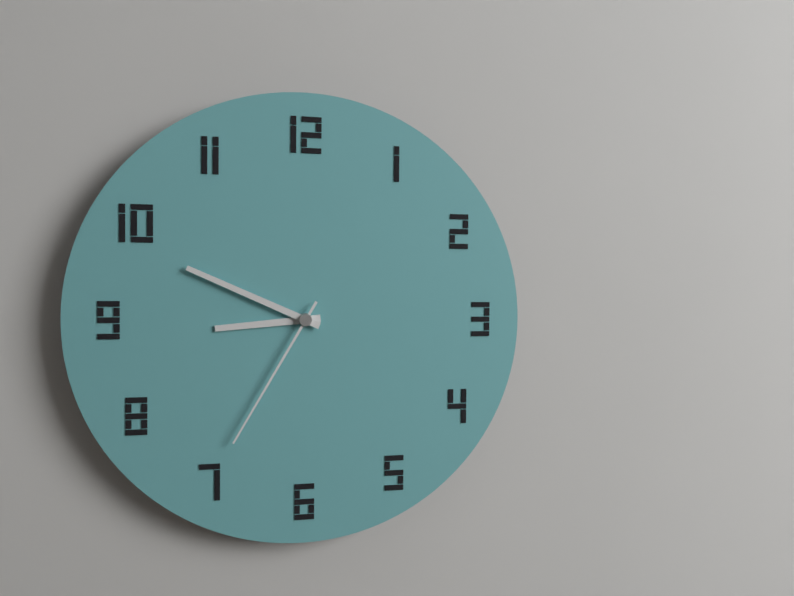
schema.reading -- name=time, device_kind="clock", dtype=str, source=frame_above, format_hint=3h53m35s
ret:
8h49m35s
